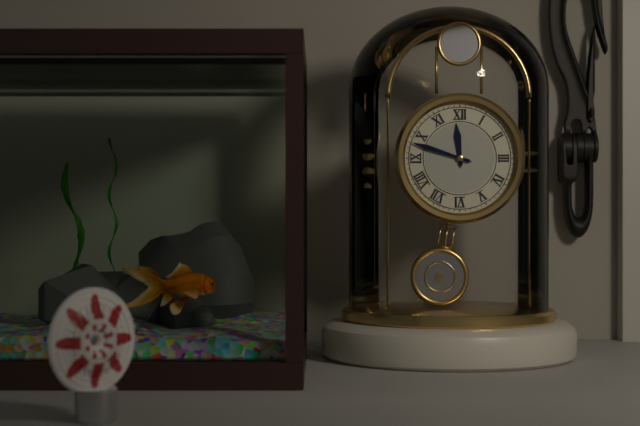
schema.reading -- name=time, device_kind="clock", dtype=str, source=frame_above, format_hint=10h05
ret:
11h48
